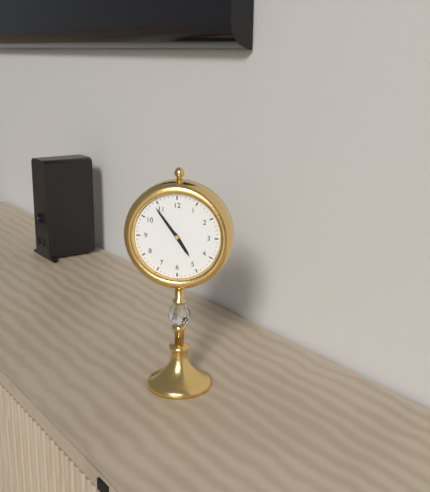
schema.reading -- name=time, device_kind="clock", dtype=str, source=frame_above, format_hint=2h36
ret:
4h54
